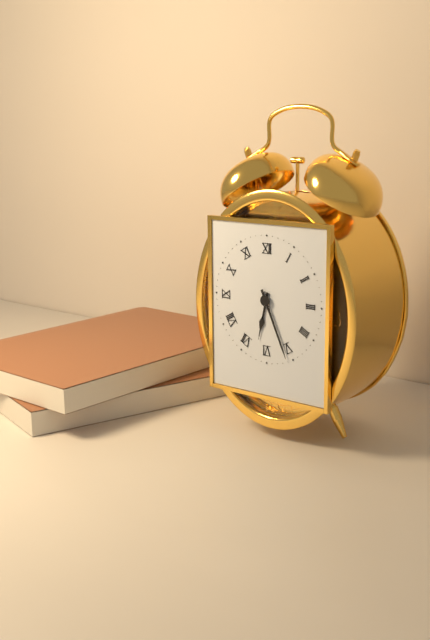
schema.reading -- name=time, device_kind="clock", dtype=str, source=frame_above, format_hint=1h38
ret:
6h26
